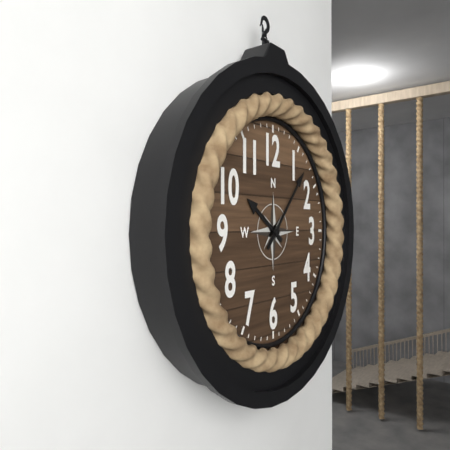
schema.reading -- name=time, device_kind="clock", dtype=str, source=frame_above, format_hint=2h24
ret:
10h07
